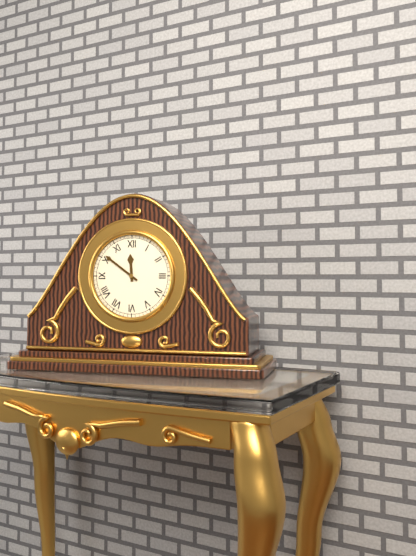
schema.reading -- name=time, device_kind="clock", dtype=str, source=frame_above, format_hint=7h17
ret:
11h51
